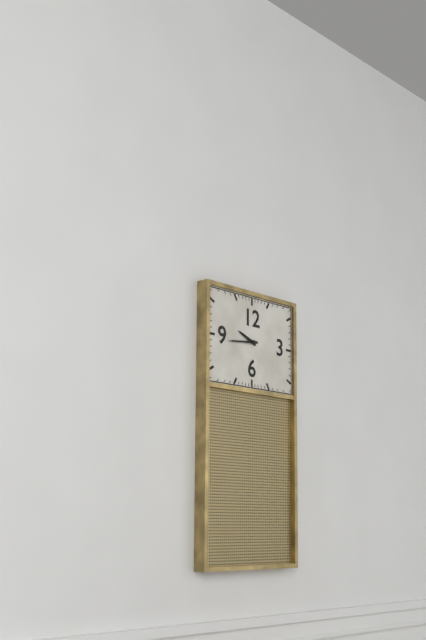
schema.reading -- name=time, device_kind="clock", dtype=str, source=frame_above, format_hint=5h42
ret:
9h44
